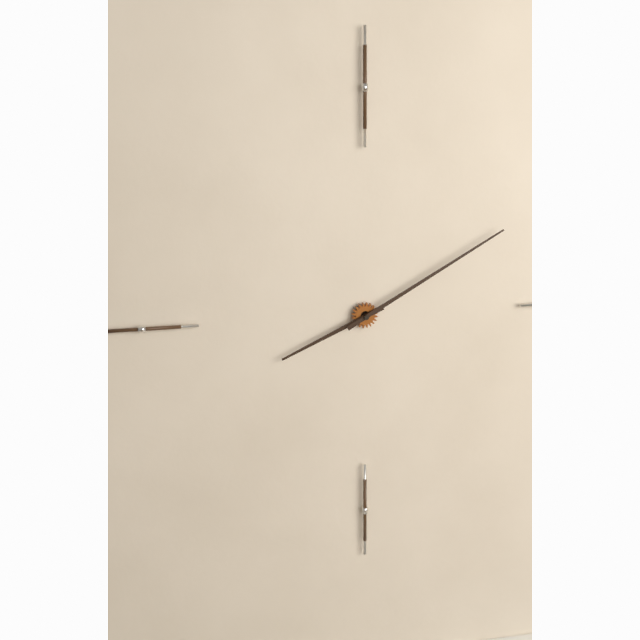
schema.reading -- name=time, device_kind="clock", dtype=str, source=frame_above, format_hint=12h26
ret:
8h10
